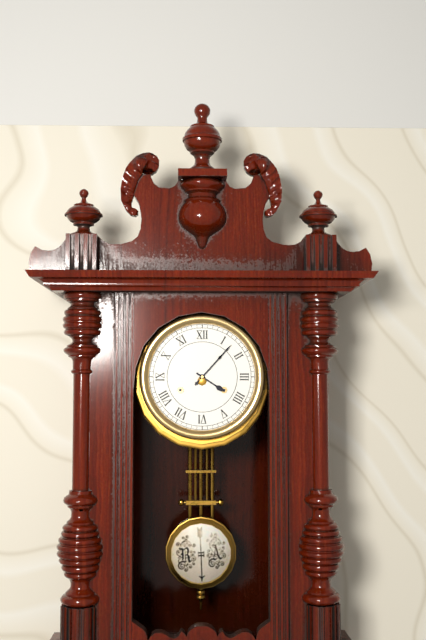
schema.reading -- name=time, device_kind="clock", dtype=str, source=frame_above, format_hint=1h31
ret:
4h07
